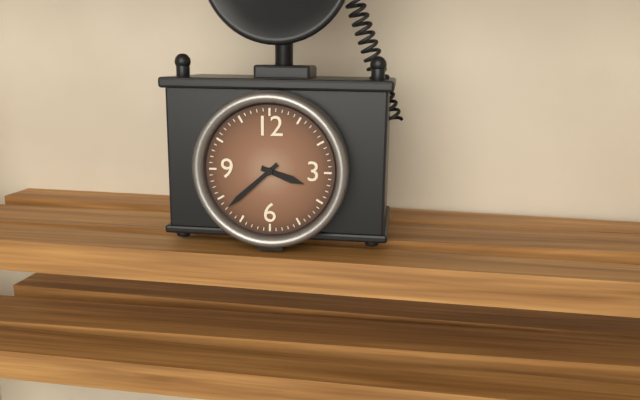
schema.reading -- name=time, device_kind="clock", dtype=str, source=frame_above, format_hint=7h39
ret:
3h38
